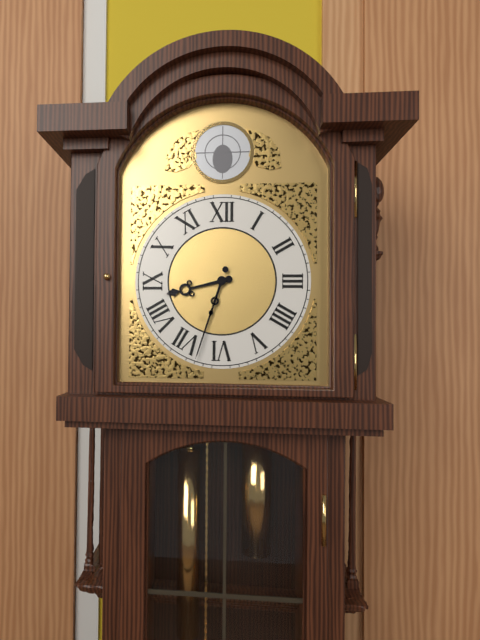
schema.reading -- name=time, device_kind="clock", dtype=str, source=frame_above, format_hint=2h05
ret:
8h33
